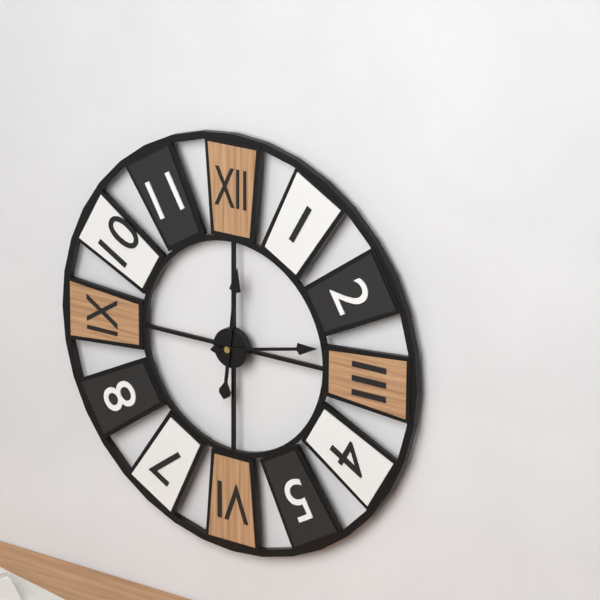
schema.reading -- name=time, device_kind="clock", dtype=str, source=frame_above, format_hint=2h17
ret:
12h13
